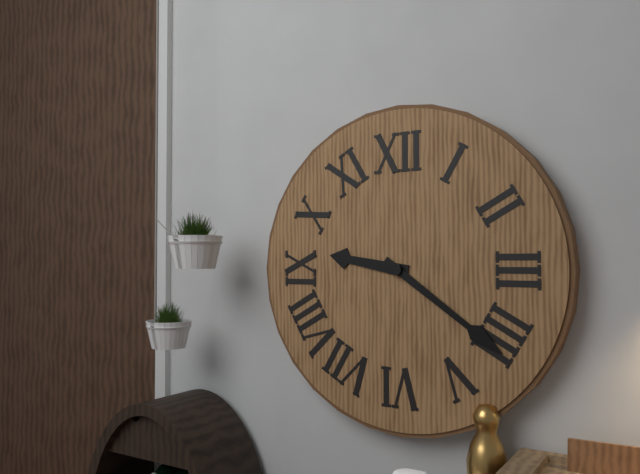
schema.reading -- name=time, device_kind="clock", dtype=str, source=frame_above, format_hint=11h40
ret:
9h21
